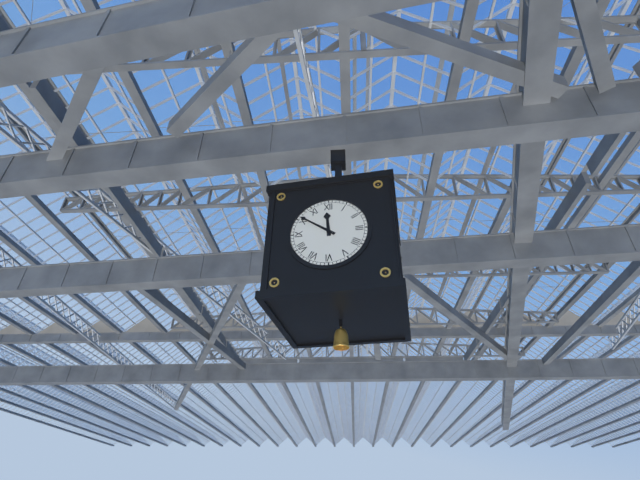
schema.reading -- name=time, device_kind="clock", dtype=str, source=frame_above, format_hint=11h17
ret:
11h51
